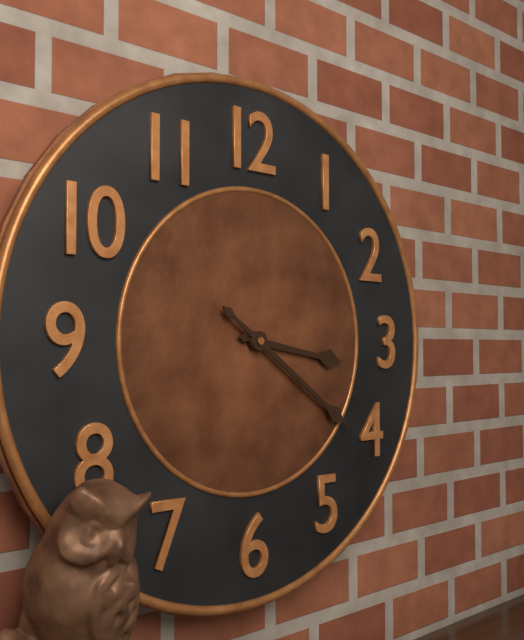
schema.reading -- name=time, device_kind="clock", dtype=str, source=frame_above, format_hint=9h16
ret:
3h21
